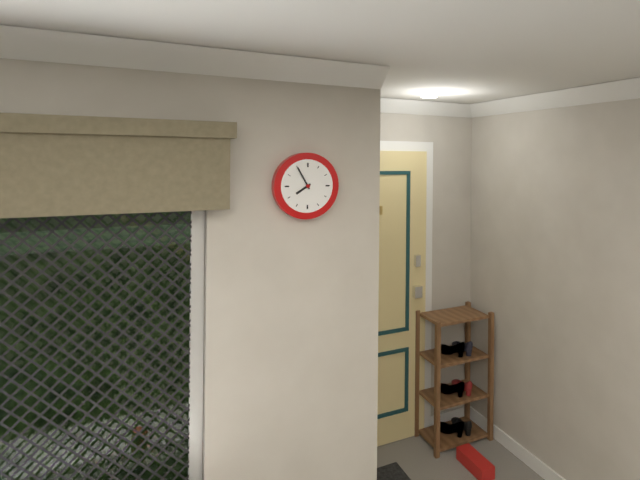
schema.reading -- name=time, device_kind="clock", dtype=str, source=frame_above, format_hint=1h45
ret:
7h55
